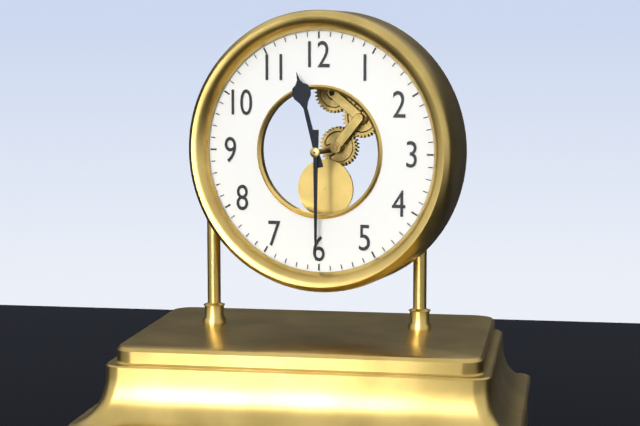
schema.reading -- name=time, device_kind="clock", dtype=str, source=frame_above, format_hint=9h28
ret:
11h30
